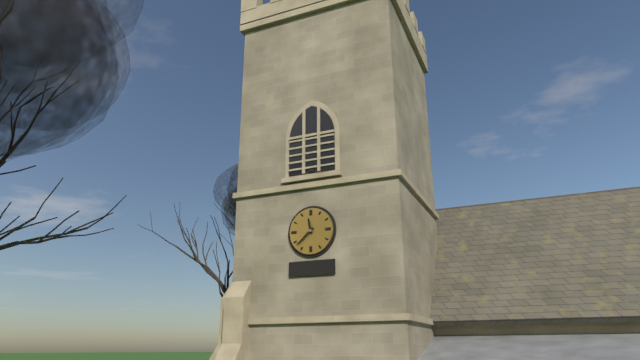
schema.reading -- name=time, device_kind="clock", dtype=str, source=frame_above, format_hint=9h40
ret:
11h38
